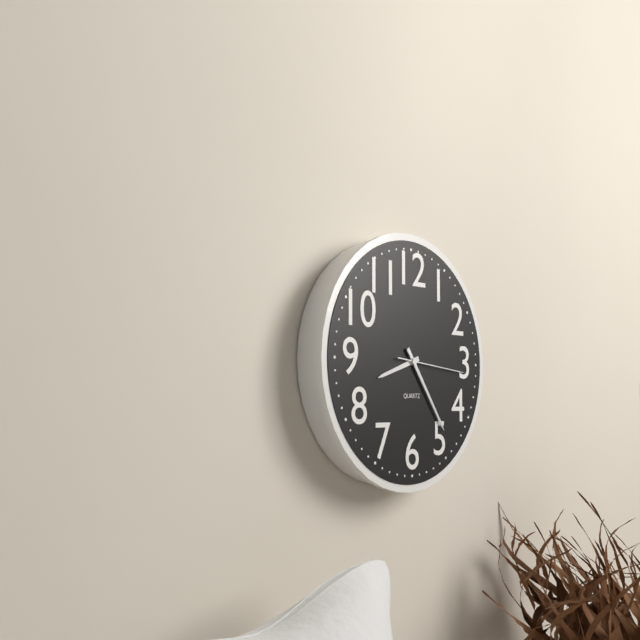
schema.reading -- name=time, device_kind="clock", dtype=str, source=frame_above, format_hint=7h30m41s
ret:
8h24m16s
